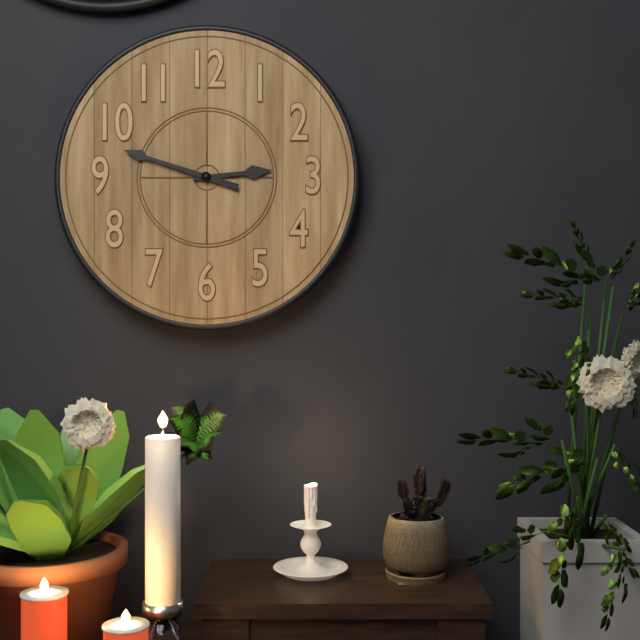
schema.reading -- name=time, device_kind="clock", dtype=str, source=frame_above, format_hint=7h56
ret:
2h48
